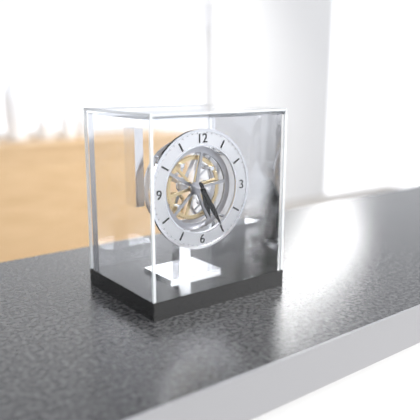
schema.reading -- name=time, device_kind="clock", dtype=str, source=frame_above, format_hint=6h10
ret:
5h25
